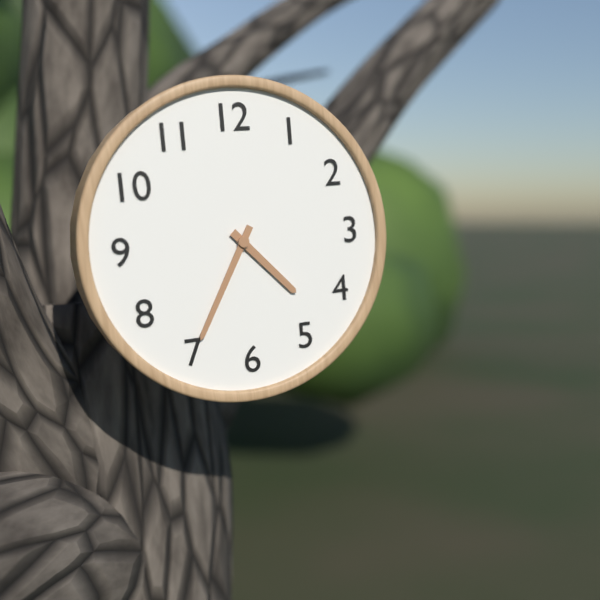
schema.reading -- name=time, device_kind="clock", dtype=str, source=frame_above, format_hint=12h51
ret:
4h35
